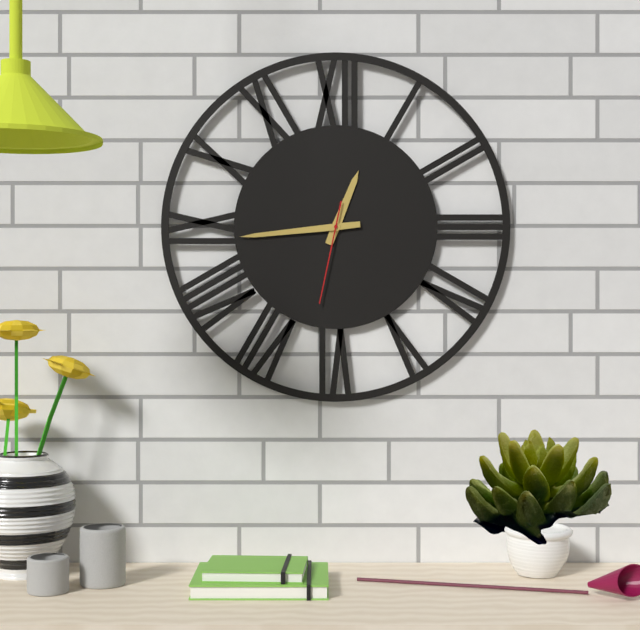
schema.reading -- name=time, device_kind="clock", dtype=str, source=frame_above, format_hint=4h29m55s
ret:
12h44m32s
